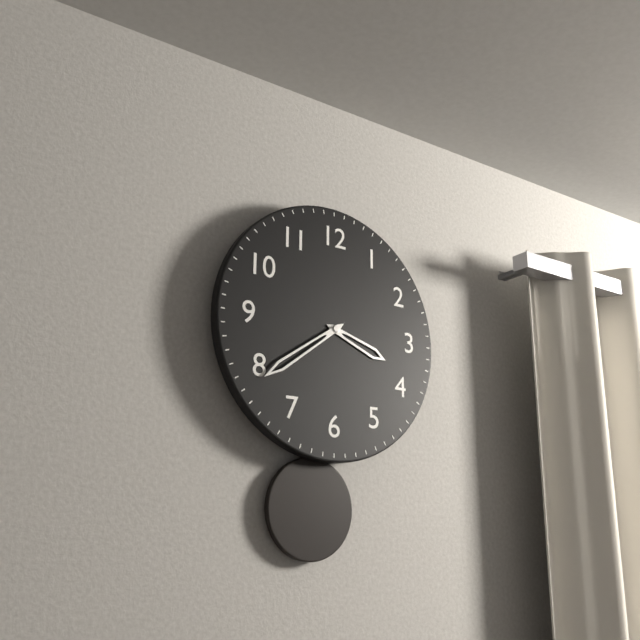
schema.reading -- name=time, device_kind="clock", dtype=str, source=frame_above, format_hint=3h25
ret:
3h39
